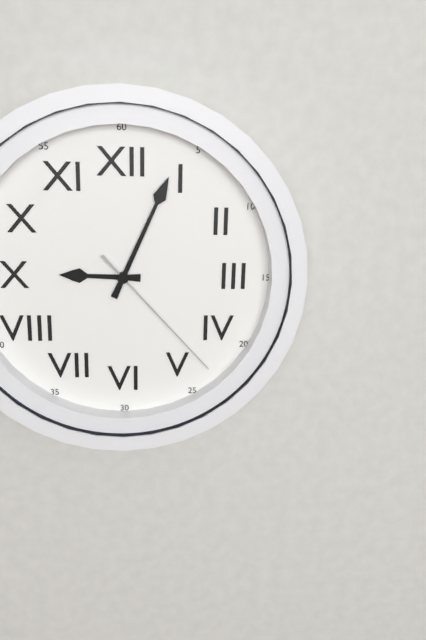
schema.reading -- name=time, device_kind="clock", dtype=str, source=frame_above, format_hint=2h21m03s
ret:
9h04m23s
